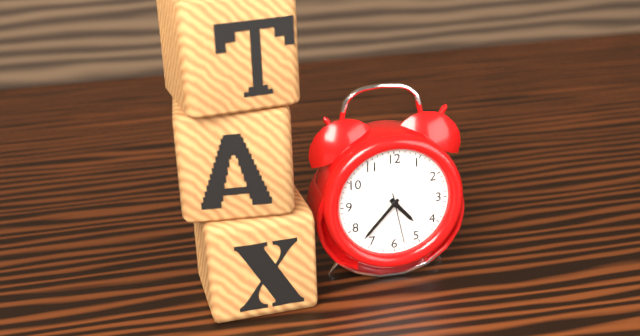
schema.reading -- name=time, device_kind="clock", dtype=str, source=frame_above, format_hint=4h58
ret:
4h37
